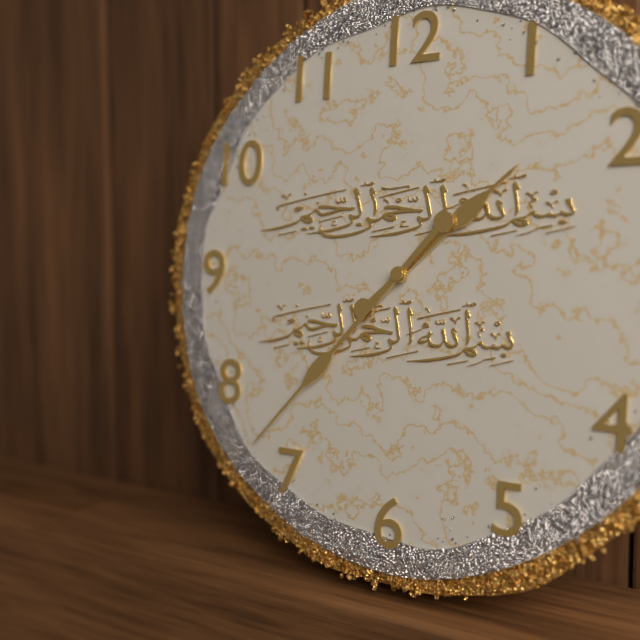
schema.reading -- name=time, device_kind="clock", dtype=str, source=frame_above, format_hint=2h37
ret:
1h37
